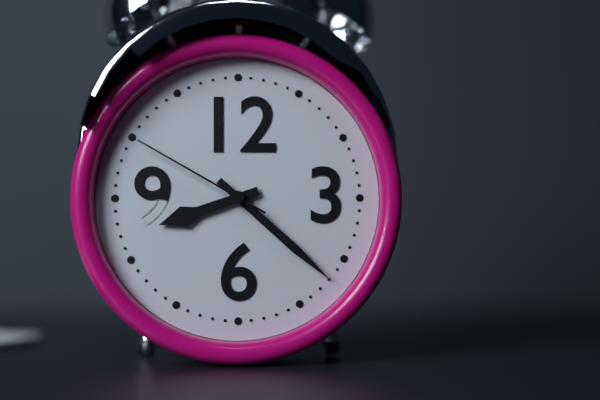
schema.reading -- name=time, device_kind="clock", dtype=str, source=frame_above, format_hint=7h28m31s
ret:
8h22m50s
